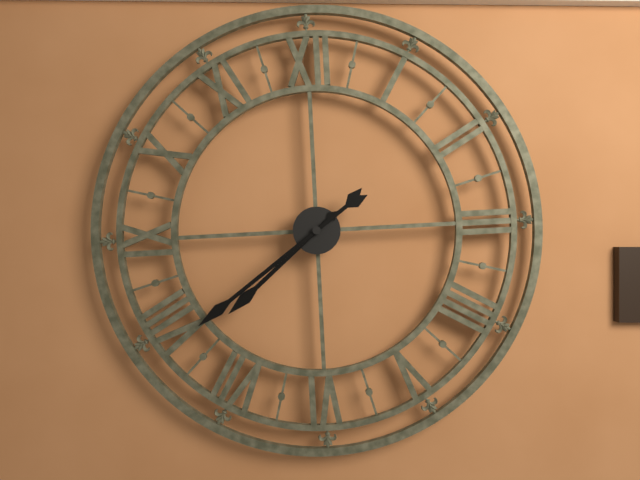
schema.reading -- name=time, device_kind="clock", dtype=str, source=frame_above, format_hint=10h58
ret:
7h39
